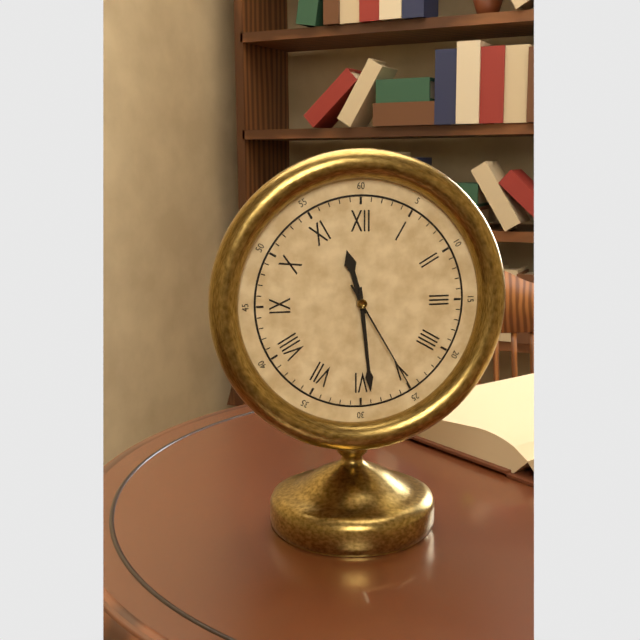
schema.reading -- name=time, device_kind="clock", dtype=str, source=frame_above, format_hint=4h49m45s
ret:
11h29m25s
